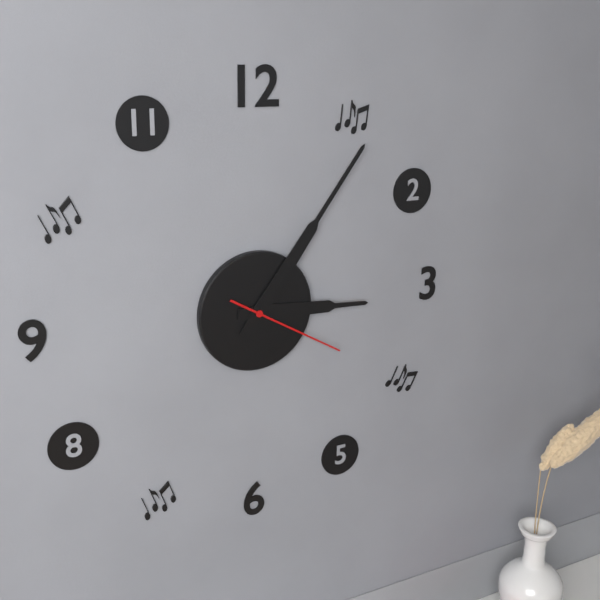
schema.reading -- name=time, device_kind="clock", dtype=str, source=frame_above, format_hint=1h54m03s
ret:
3h06m20s
